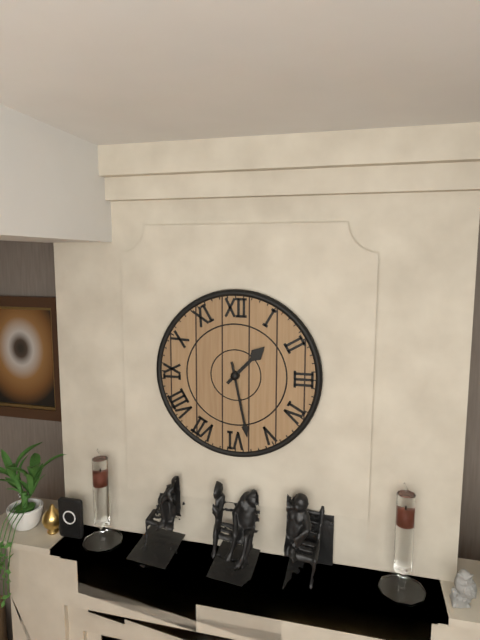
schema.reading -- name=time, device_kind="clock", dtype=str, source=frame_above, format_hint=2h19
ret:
1h28
